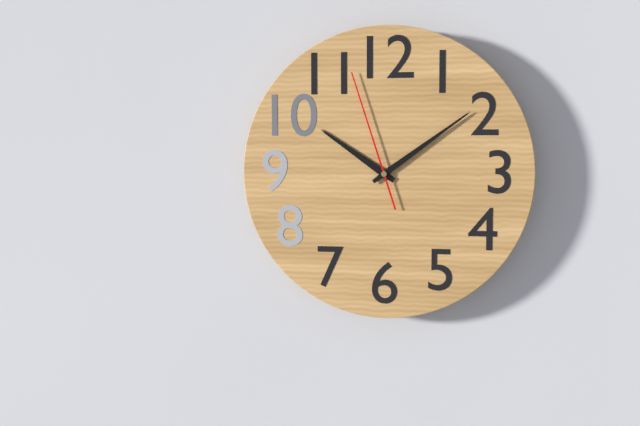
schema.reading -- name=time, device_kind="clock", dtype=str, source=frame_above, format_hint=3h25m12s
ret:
10h09m57s
